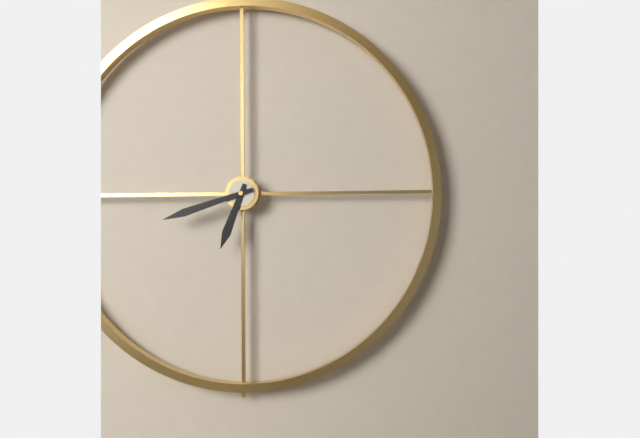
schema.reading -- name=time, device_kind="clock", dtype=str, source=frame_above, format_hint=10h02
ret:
6h42
